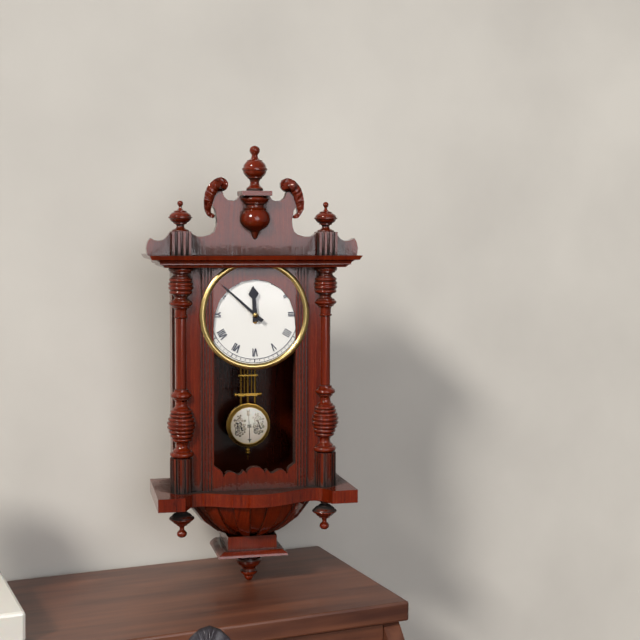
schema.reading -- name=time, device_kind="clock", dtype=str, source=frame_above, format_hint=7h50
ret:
11h52
